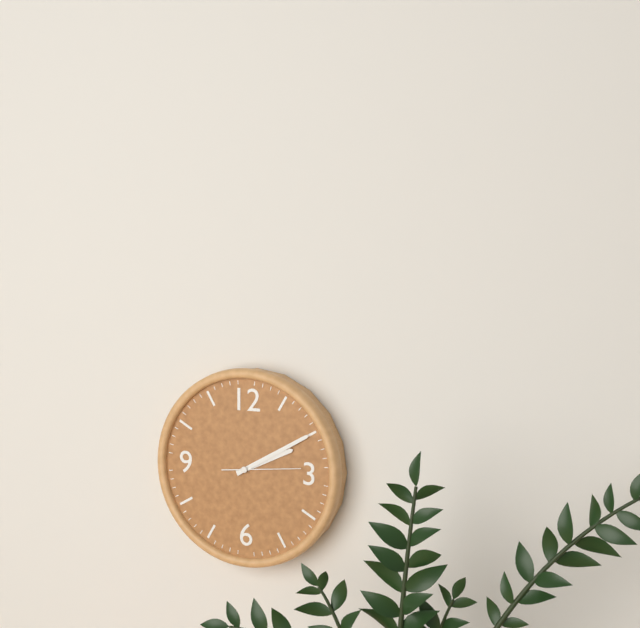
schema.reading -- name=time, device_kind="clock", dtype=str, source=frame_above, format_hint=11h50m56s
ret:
2h10m14s
